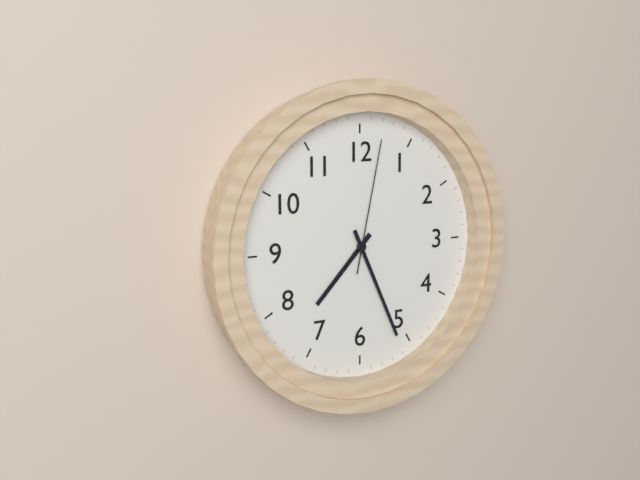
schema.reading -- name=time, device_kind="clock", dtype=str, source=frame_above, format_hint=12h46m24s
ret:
7h26m02s
